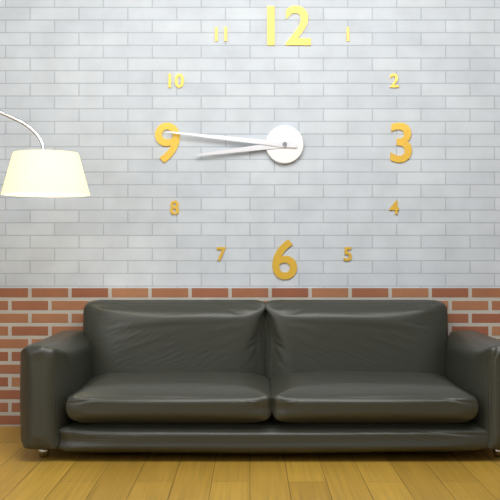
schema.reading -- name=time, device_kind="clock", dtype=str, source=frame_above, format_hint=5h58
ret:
8h46
